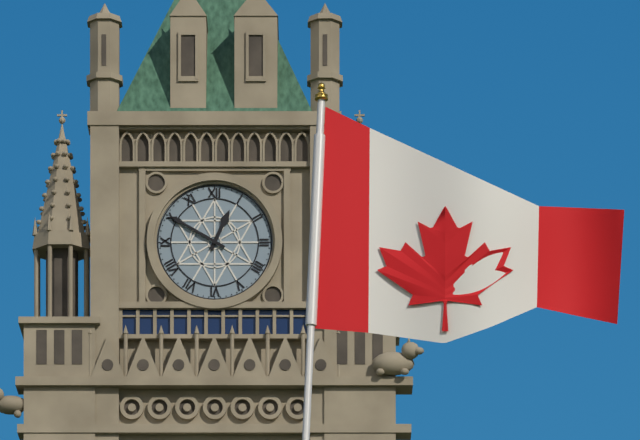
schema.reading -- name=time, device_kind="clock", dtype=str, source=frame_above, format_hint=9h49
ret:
12h50
